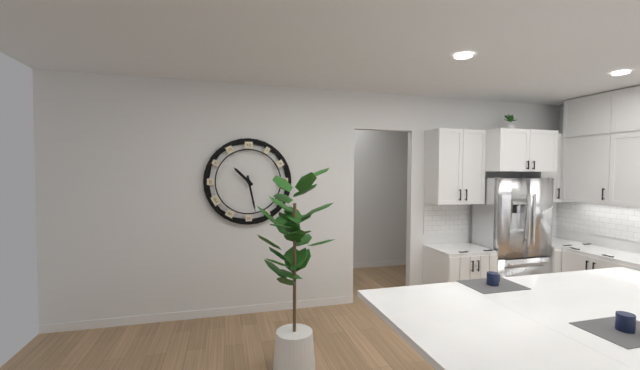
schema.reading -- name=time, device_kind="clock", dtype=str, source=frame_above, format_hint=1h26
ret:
10h28
